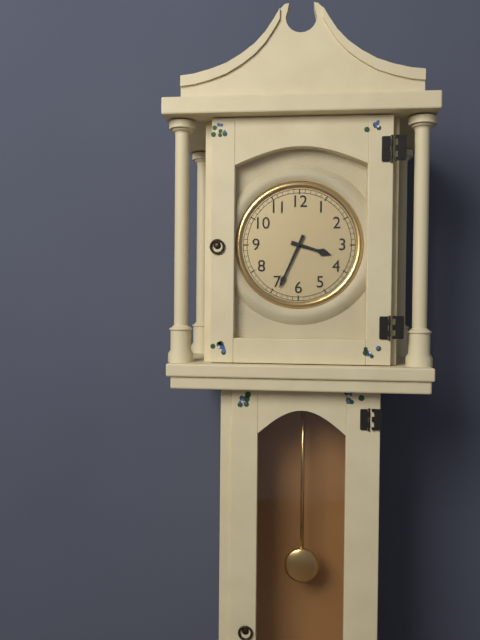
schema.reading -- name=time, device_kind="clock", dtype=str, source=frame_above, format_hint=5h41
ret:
3h34
